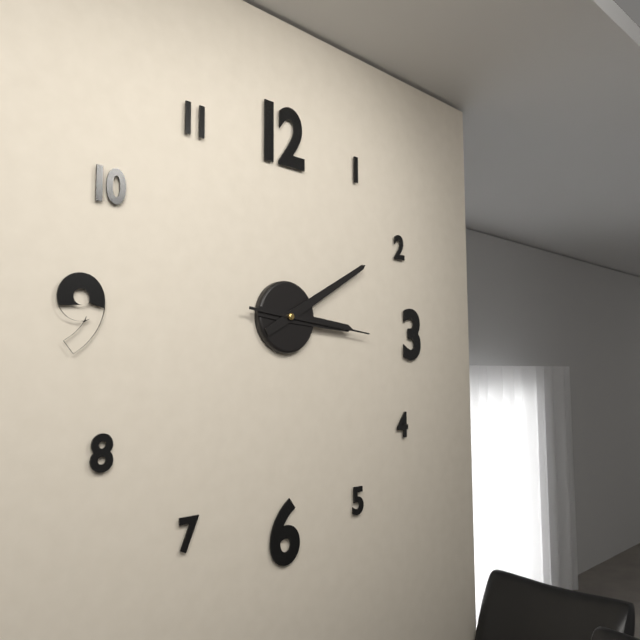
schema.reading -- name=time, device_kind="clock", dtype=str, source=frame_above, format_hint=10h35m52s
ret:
3h10m16s
